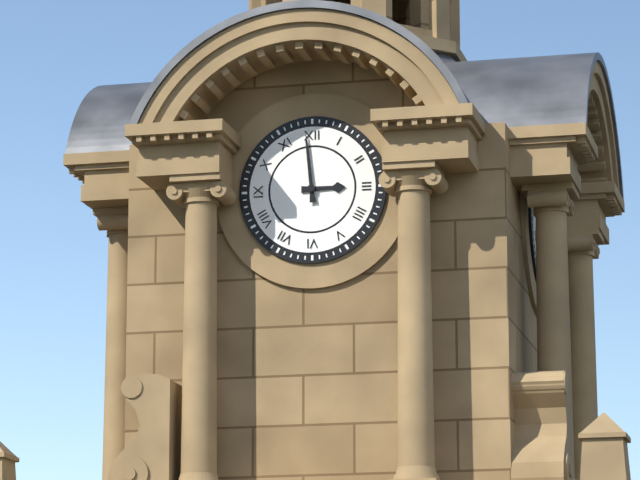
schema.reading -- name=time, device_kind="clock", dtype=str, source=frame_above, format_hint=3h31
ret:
2h59
